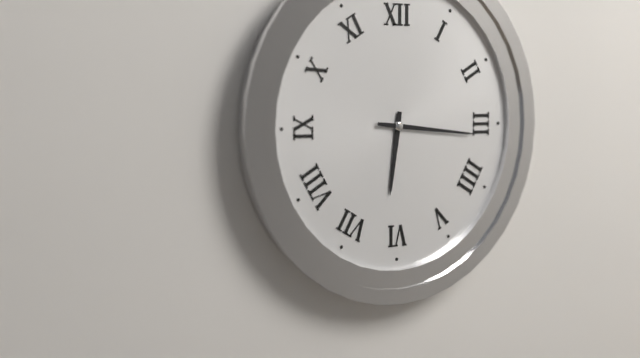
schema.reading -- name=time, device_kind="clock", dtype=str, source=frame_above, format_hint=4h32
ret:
6h16
